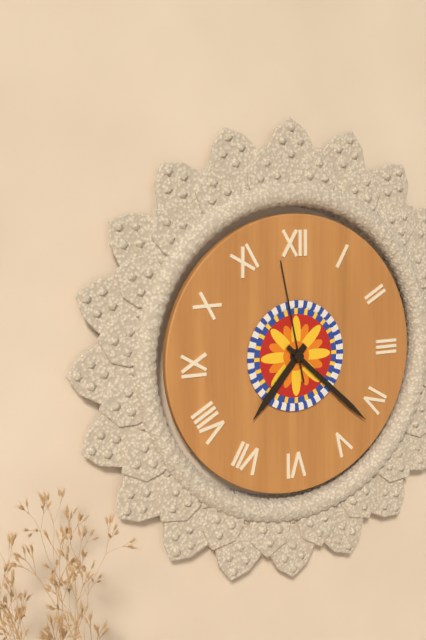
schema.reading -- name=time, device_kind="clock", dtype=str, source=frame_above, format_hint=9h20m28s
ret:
7h22m58s
